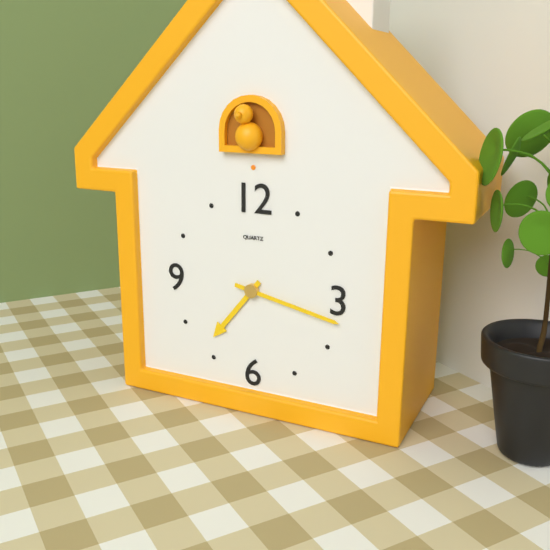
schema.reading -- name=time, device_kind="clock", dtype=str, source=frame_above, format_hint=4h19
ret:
7h17
